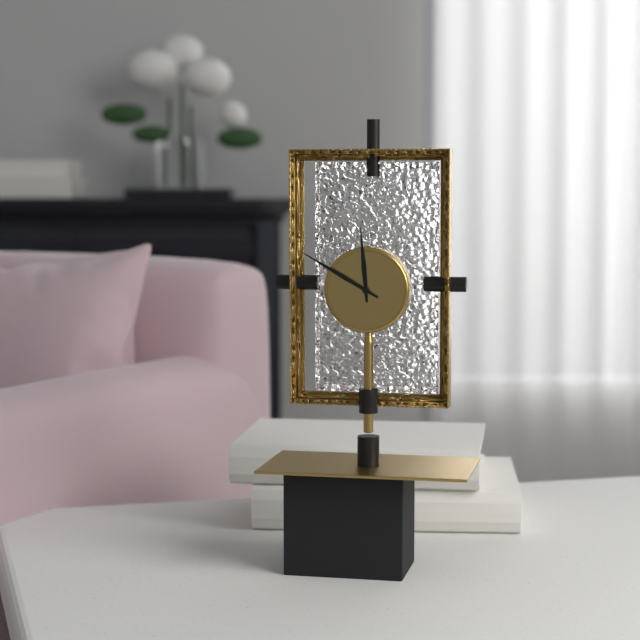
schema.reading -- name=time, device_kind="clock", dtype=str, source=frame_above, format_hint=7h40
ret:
11h50
